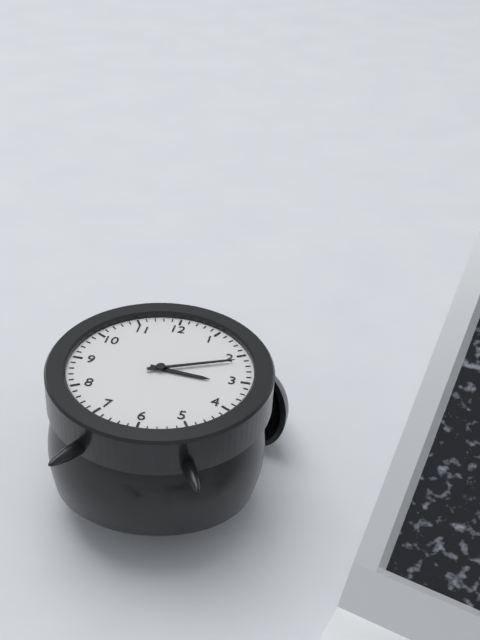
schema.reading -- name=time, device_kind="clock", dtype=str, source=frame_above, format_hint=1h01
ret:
3h11
